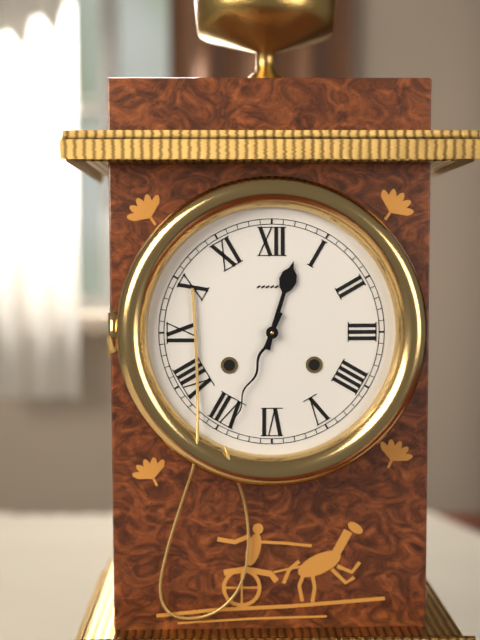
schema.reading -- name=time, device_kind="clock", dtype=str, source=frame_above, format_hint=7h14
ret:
12h34
